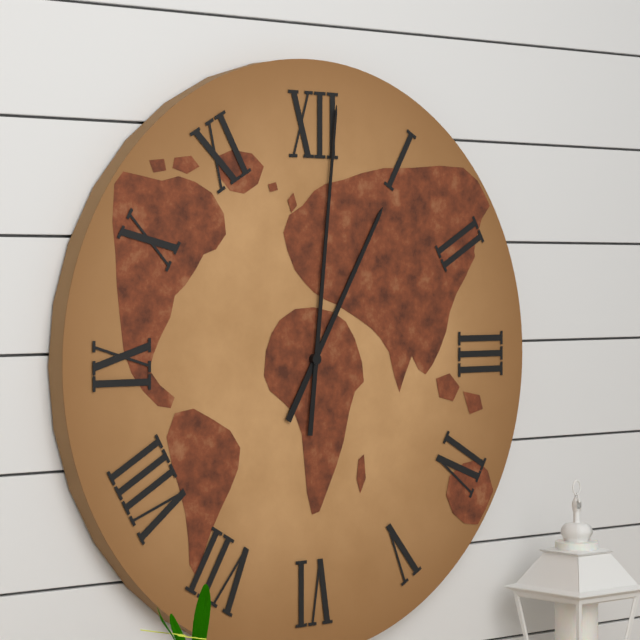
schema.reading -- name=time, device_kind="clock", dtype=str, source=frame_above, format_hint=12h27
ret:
1h01
